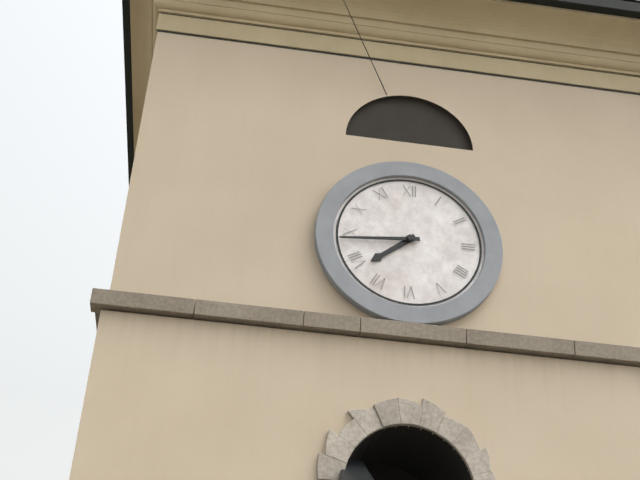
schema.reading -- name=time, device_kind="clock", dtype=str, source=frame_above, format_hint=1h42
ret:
7h44
